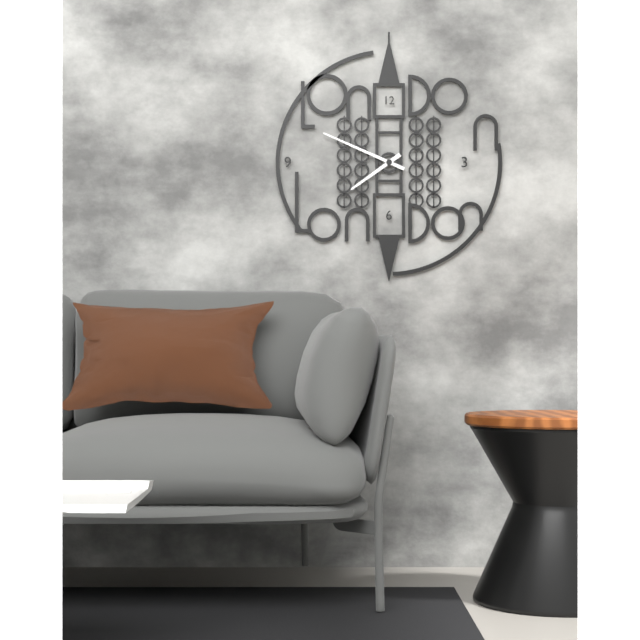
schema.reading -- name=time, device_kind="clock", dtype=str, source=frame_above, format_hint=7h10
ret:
7h49
